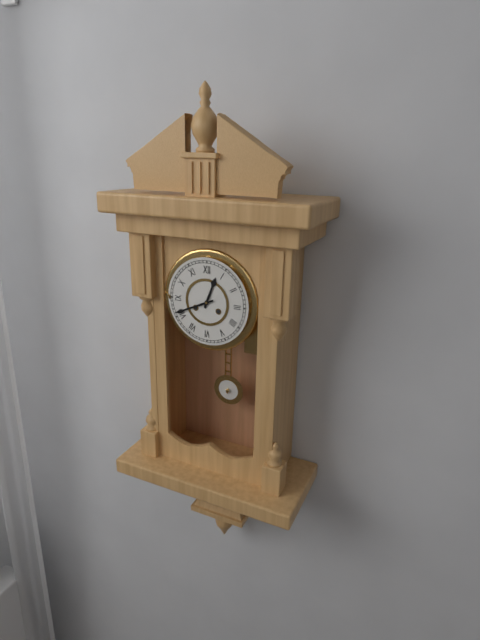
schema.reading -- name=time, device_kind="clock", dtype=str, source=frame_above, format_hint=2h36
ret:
12h41
